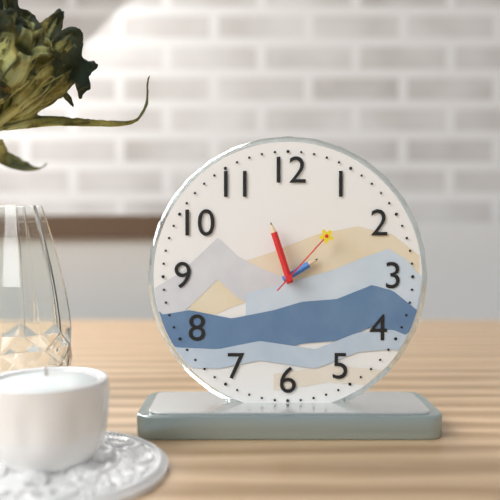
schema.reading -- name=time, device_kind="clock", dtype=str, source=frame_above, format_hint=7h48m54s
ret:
1h57m07s
